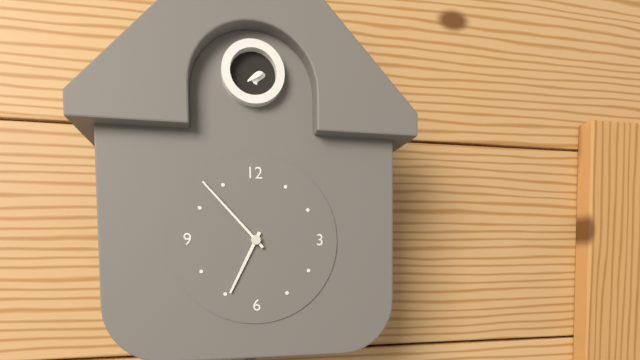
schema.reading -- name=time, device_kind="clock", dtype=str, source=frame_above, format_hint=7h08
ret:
6h53
